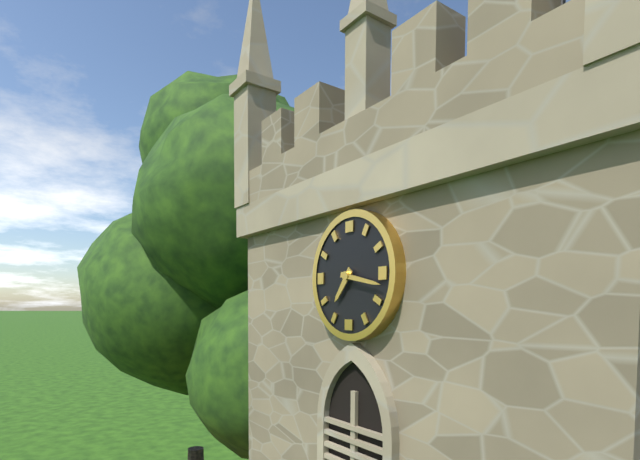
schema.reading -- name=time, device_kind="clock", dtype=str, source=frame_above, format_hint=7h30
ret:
7h17
